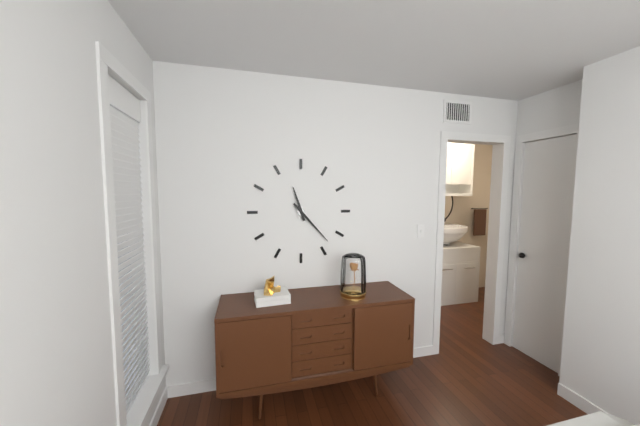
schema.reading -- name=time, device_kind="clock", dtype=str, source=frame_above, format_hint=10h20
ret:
11h23
